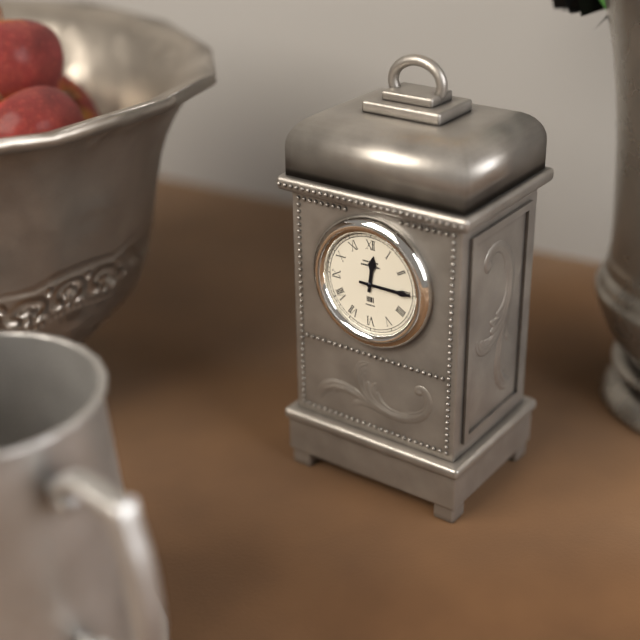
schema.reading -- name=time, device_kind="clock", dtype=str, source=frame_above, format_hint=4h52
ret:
12h15
